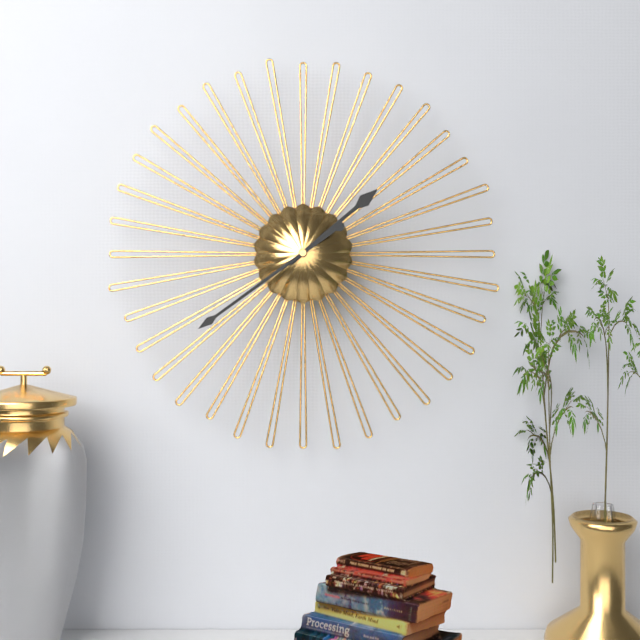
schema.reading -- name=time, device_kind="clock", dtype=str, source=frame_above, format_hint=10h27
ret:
1h39
